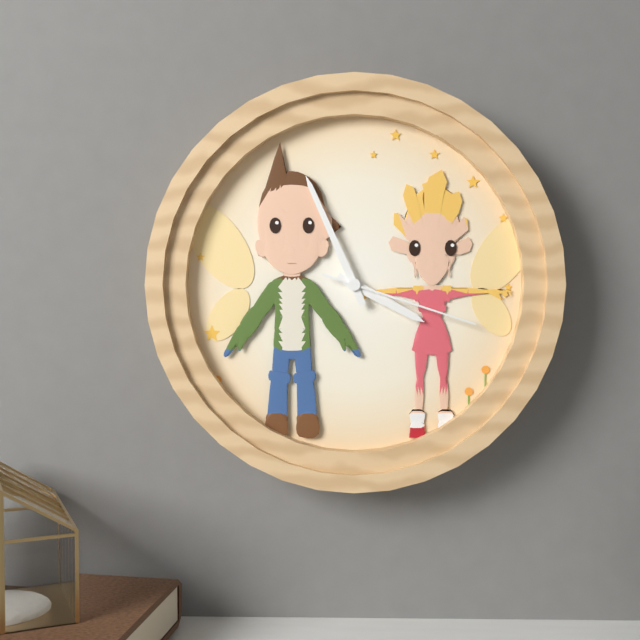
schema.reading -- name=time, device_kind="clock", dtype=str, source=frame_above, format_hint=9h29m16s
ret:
3h56m18s
